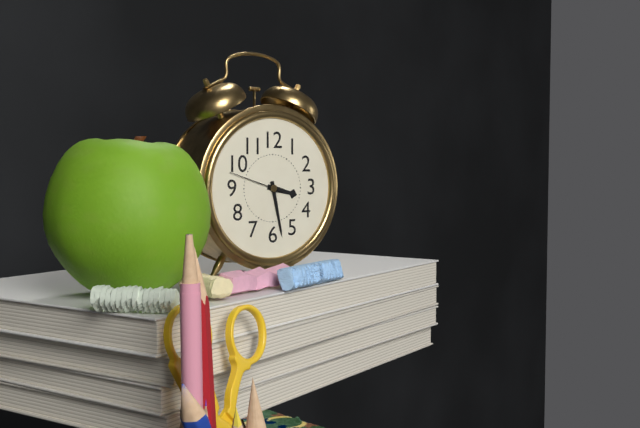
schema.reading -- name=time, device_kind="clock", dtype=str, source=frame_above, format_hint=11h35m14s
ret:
3h28m48s
